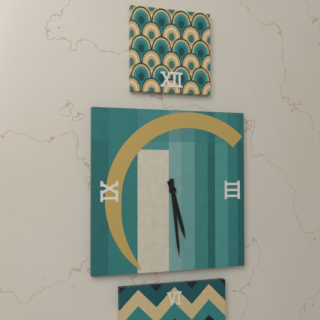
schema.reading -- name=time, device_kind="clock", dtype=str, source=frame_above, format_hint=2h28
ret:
5h29
